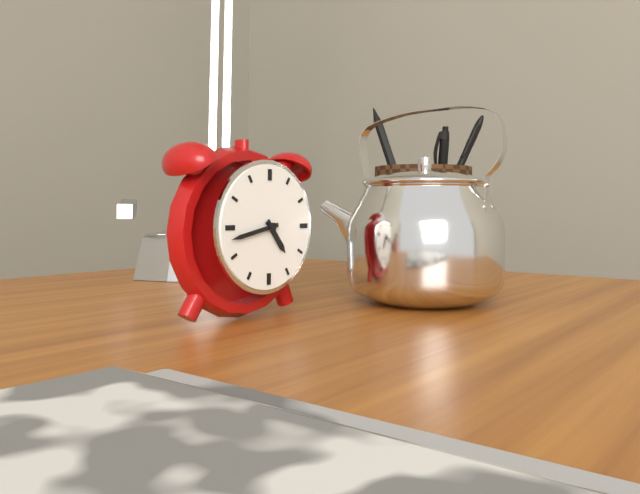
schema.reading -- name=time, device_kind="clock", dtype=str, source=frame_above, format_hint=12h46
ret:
4h43
